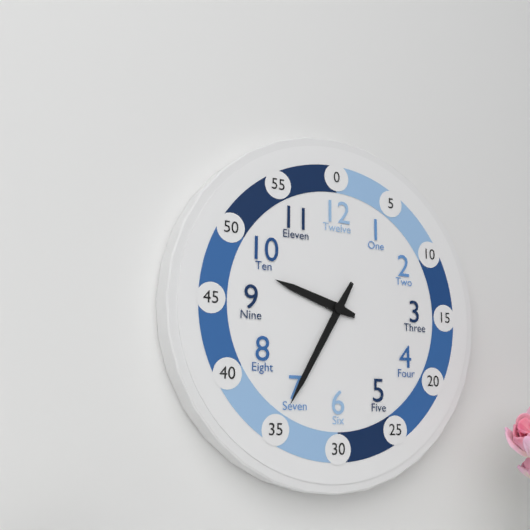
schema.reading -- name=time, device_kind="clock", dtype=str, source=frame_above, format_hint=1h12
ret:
9h35
